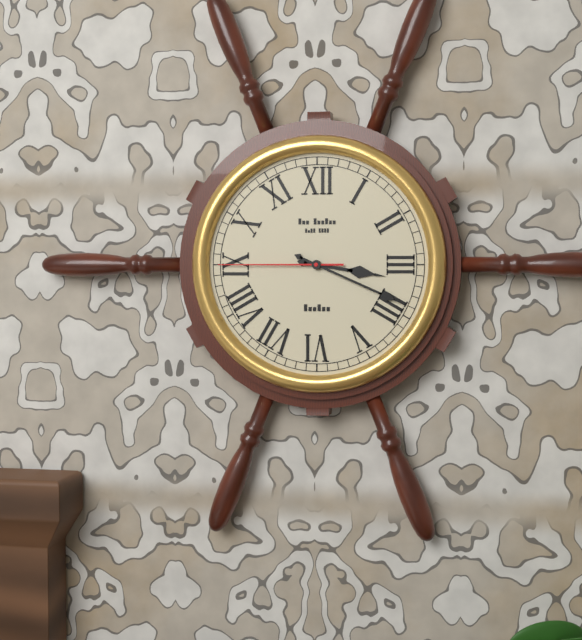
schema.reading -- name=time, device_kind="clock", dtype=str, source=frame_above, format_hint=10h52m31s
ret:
3h19m45s
